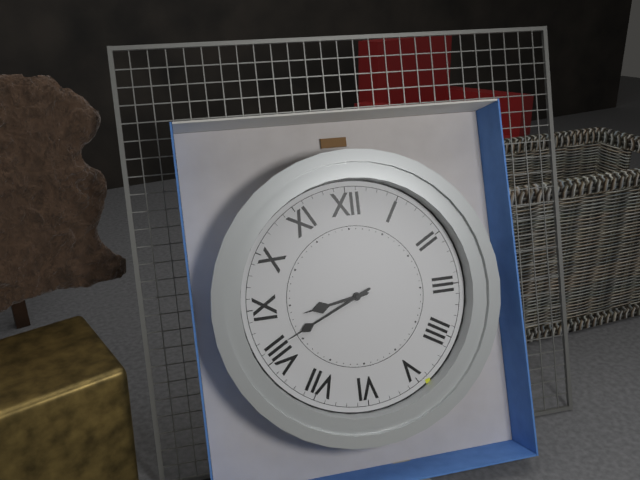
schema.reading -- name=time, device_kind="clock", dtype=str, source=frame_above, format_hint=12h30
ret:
8h41
